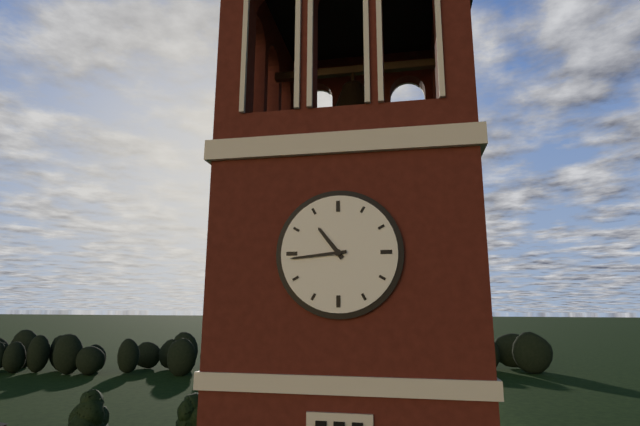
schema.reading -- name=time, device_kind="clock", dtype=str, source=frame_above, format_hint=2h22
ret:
10h44
